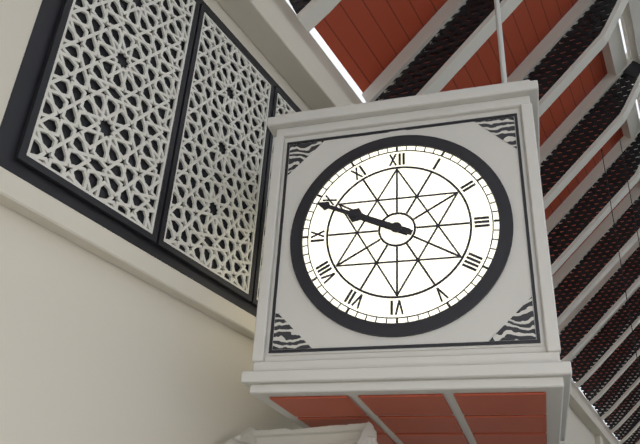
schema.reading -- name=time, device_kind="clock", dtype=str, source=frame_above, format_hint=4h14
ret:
9h49
